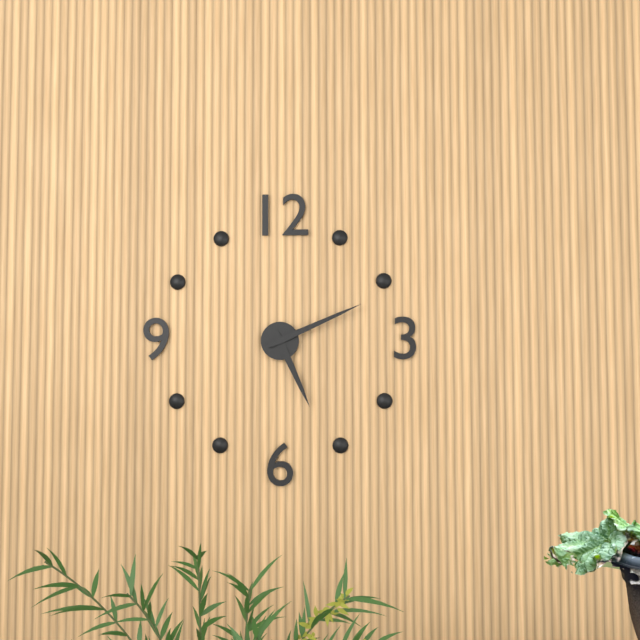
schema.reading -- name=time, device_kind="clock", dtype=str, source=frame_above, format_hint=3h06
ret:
5h11
